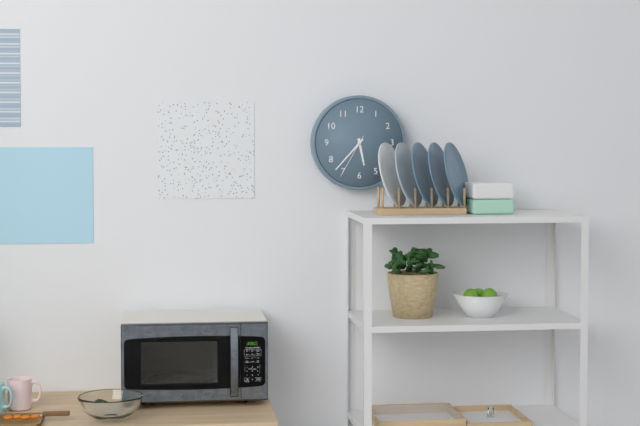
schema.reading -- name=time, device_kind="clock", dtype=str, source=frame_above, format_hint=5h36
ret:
5h37
